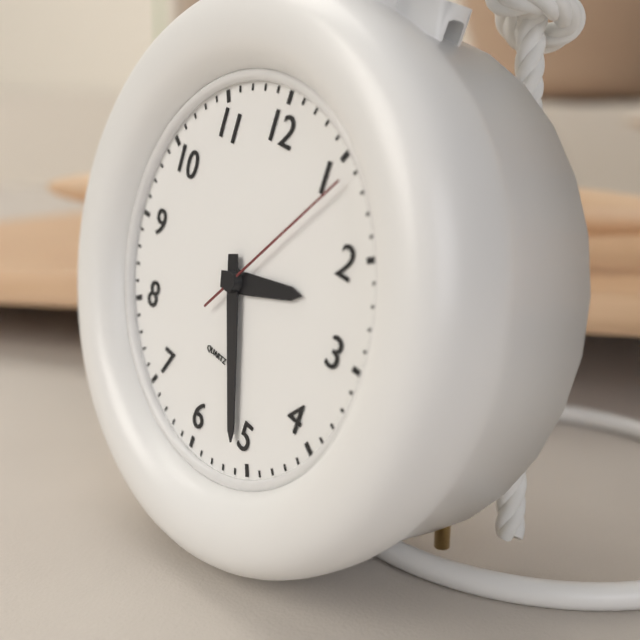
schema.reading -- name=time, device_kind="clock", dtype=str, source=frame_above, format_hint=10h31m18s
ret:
2h26m06s
